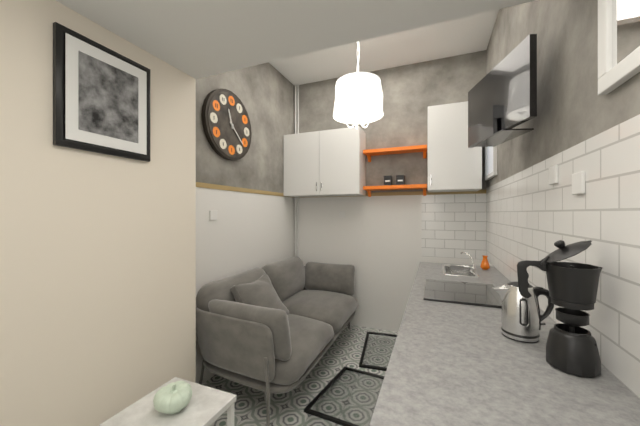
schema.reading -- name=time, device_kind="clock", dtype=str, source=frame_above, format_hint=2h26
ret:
11h22
